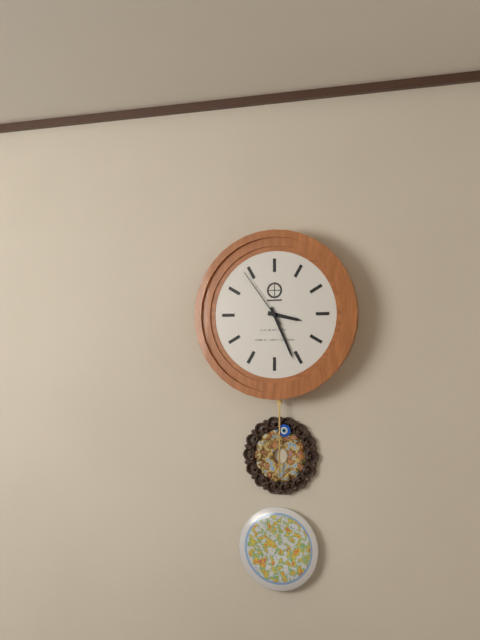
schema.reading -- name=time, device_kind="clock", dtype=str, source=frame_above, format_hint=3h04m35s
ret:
3h26m54s
